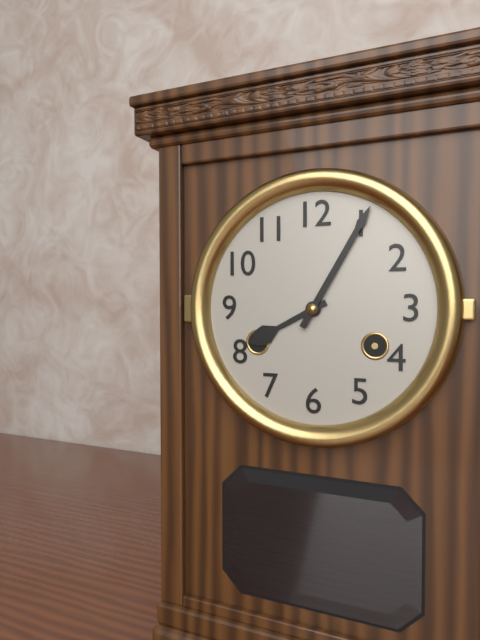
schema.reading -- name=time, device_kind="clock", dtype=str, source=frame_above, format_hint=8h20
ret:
8h05
